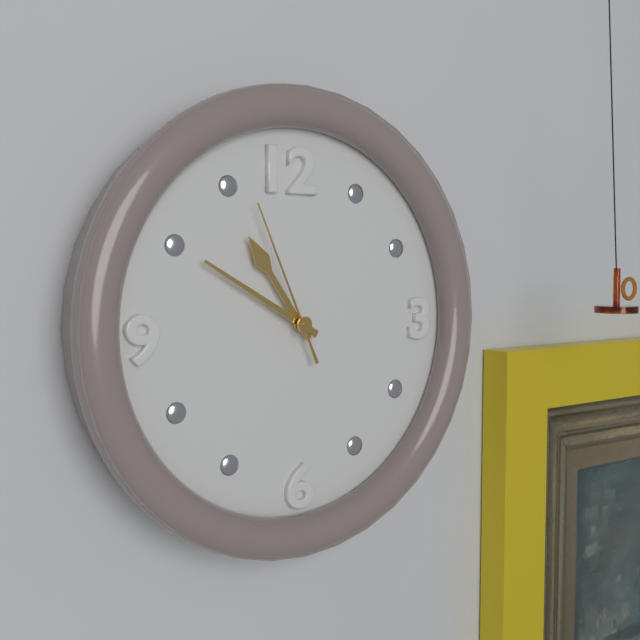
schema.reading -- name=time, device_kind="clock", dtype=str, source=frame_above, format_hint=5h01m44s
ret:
10h50m56s
